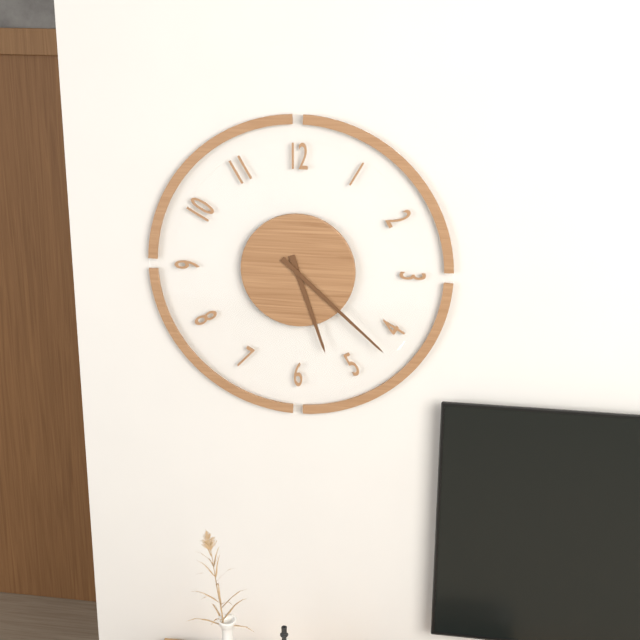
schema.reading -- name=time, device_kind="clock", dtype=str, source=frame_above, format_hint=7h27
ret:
5h22
